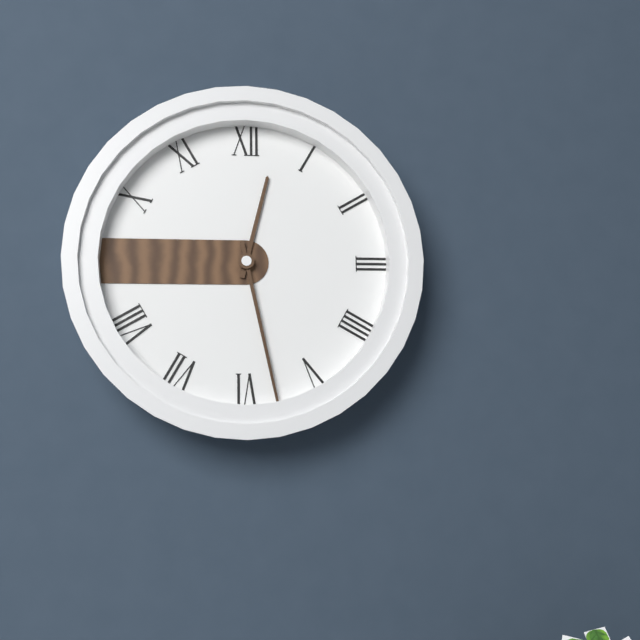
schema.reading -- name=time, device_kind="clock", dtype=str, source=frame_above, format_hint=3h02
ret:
12h28
